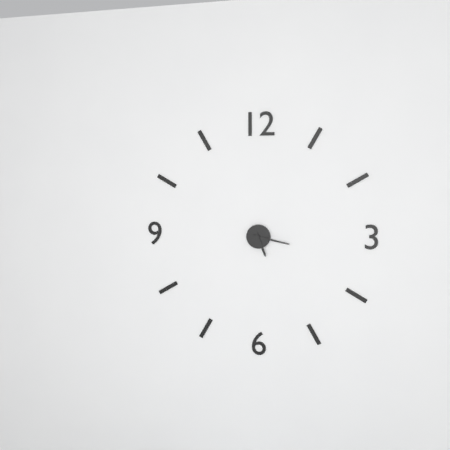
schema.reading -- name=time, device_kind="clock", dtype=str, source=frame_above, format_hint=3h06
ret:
5h17
